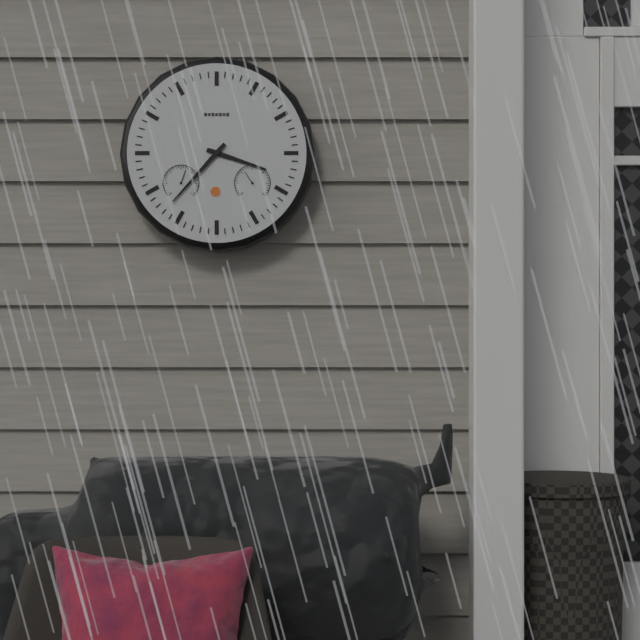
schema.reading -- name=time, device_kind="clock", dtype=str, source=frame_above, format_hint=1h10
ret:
3h37
